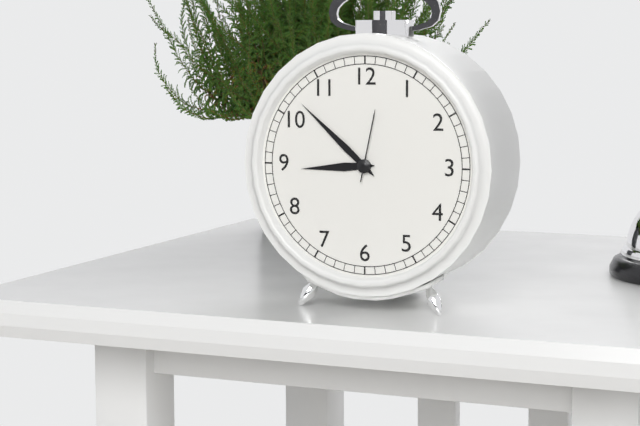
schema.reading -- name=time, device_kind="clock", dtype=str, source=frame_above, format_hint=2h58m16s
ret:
8h52m02s
